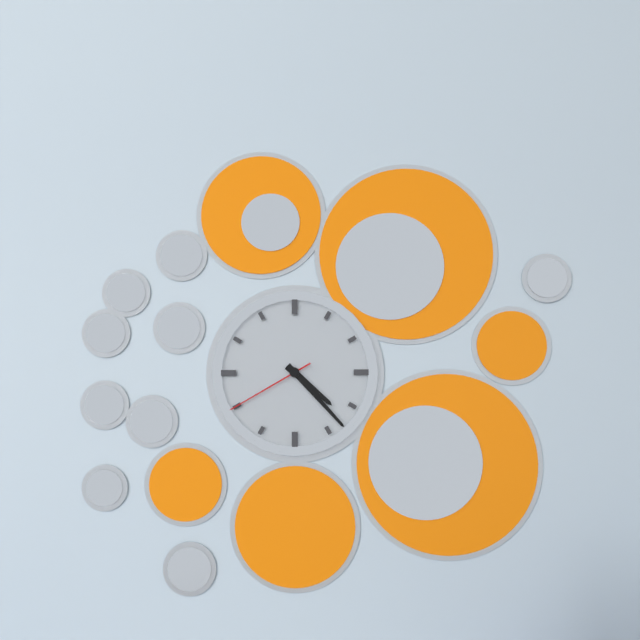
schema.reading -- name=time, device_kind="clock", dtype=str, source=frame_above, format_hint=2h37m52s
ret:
4h23m40s
